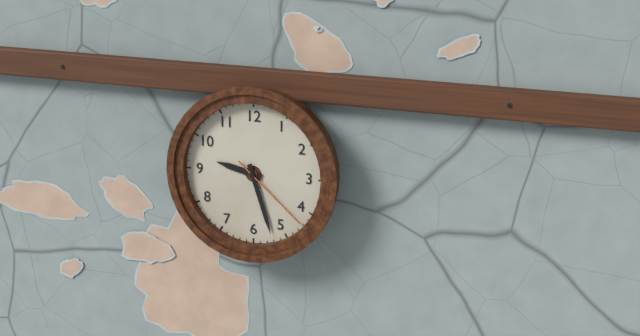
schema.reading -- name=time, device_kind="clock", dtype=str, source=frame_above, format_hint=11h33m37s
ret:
9h27m22s
